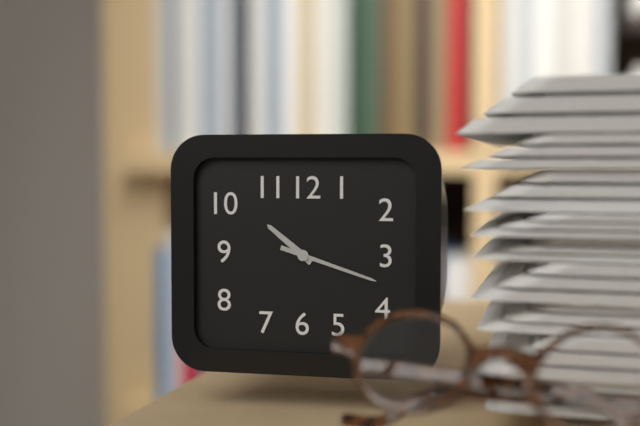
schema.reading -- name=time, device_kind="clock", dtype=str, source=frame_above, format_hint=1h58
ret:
10h18
